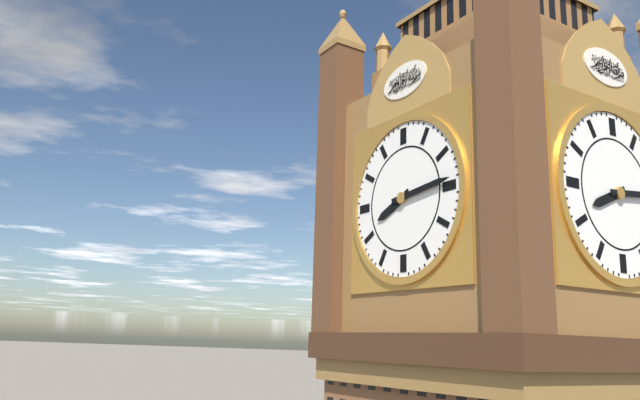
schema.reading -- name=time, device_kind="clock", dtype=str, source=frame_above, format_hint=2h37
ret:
8h14
